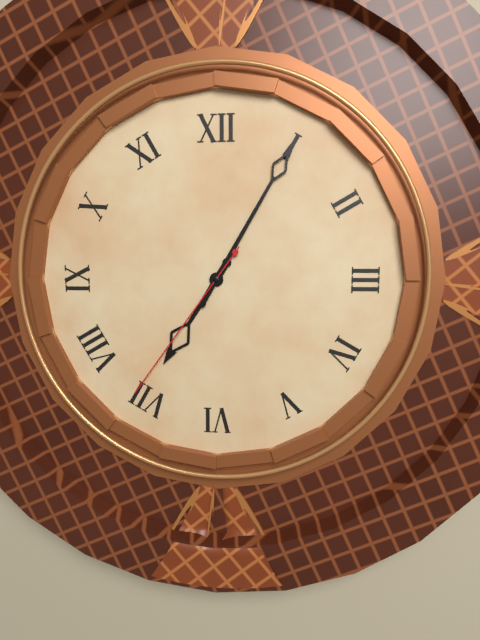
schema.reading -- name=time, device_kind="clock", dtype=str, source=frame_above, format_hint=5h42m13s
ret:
7h05m36s
